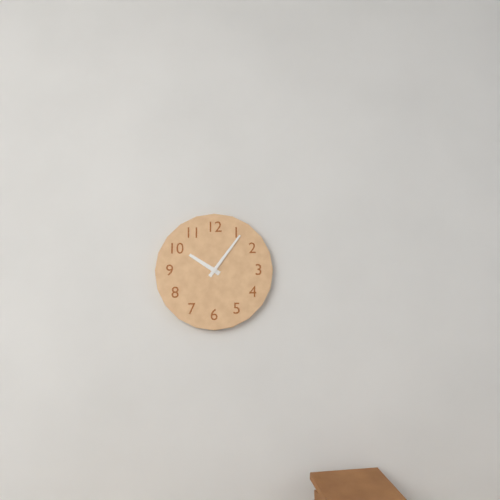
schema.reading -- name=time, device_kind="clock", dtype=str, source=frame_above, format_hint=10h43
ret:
10h06
